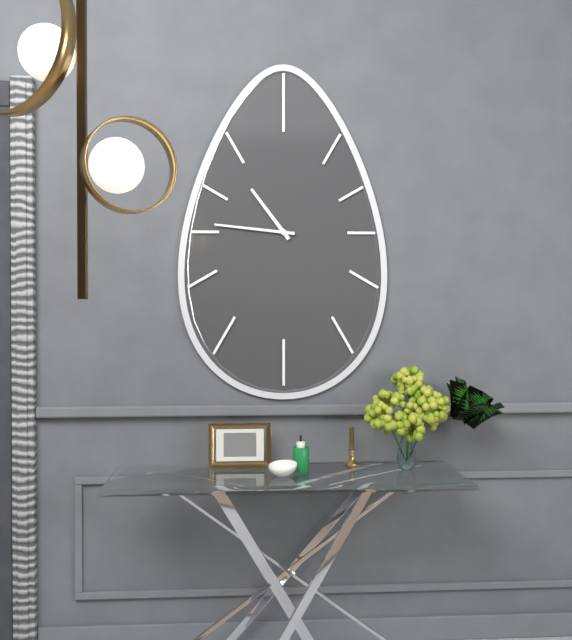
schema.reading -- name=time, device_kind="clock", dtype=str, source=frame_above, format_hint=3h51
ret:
10h46
